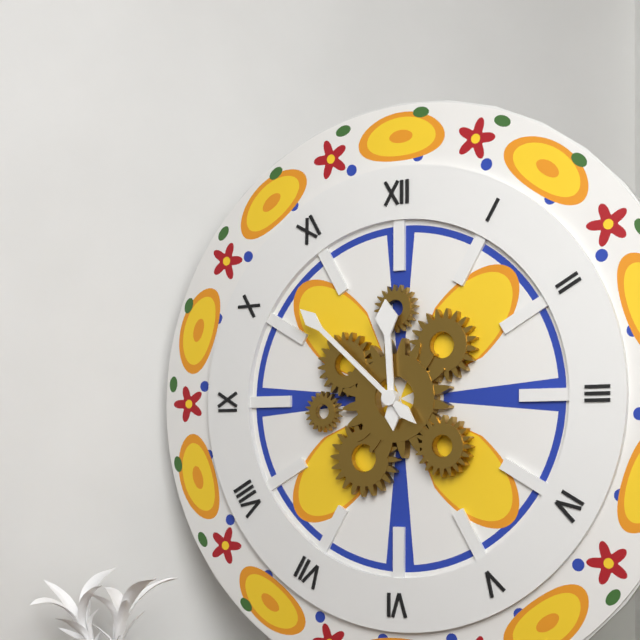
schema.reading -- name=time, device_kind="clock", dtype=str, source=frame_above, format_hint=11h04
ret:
11h52
